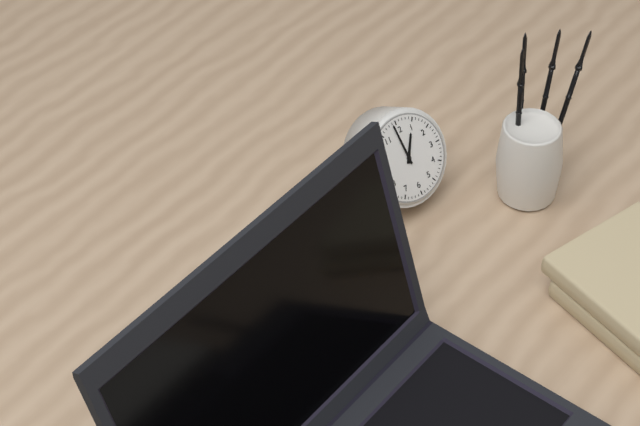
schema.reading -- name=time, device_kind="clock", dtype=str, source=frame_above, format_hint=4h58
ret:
12h59
